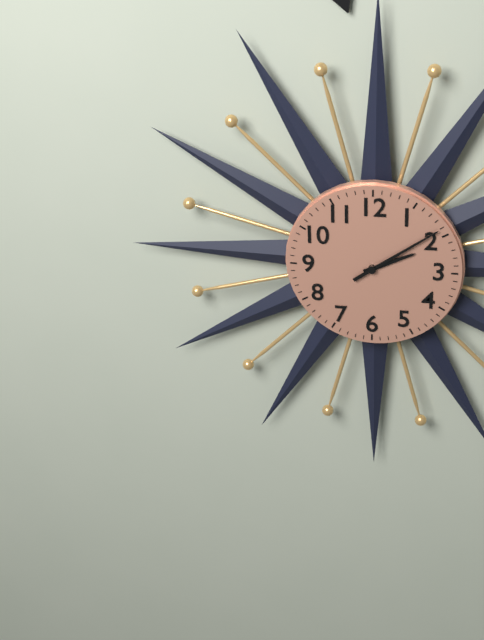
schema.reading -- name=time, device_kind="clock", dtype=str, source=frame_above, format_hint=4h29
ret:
2h09
